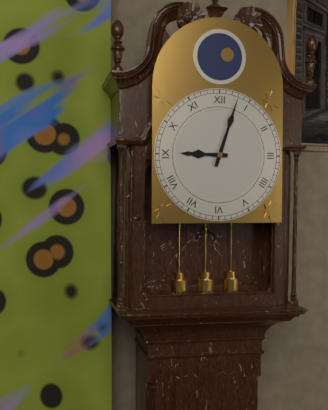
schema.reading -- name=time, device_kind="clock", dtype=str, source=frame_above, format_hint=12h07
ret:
9h03
